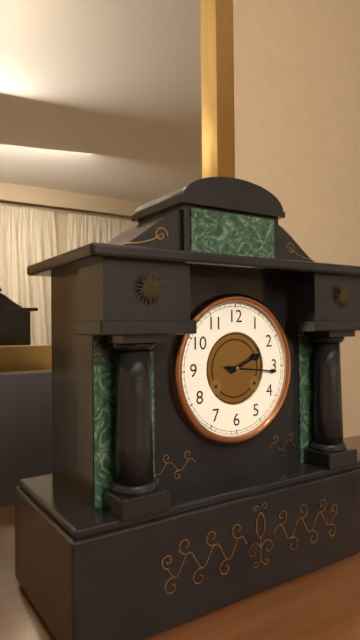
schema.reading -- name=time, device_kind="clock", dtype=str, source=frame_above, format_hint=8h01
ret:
2h16
